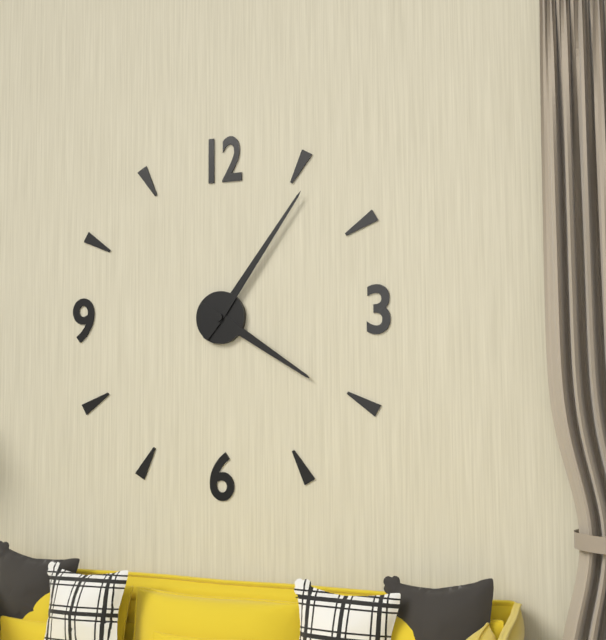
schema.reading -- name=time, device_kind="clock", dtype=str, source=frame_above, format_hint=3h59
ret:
4h06
